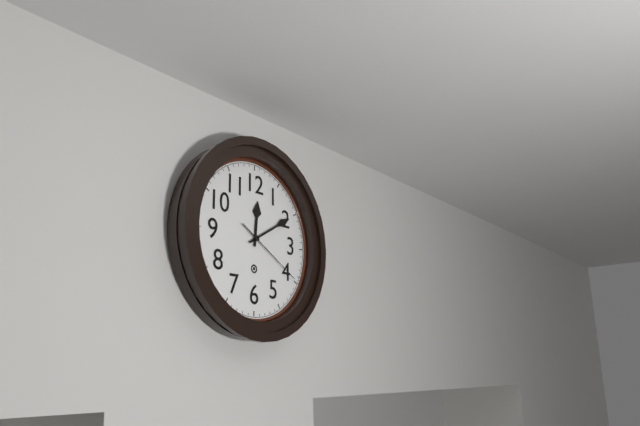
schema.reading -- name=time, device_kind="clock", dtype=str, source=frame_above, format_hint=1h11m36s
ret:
12h10m20s
